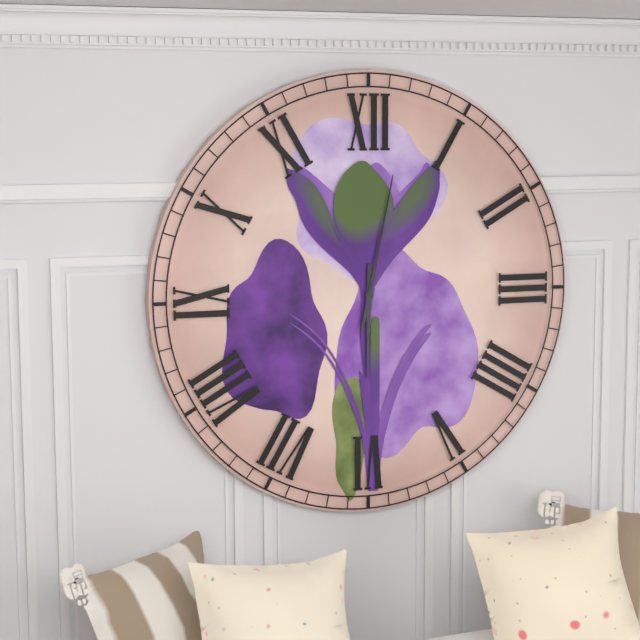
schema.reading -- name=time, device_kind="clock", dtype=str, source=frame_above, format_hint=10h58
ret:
6h02
